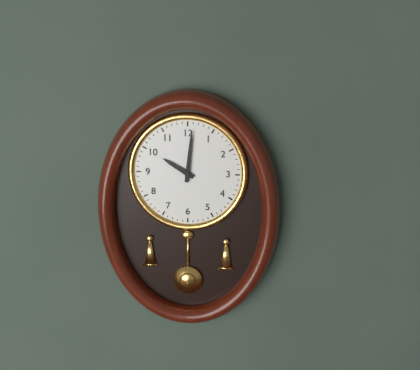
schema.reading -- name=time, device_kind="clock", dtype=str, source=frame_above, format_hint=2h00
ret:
10h01
